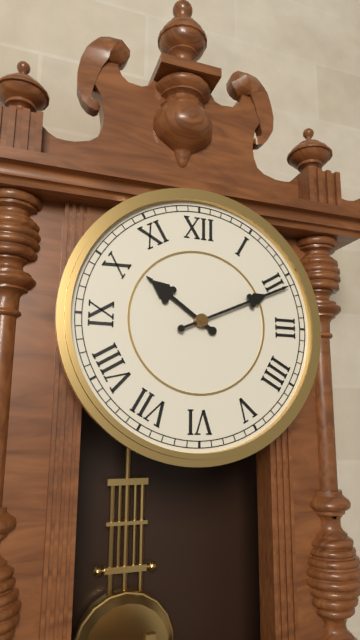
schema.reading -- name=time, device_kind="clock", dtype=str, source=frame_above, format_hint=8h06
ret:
10h11
